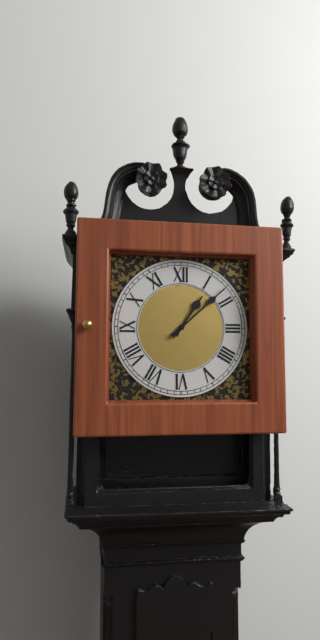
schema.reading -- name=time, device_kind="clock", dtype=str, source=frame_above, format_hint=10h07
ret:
1h08
